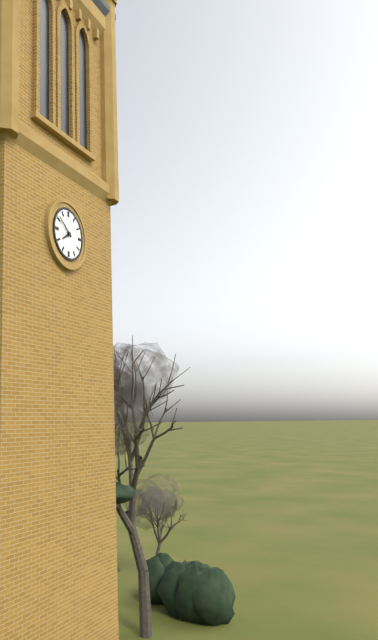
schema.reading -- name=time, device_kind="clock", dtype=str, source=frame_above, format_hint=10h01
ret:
7h51
